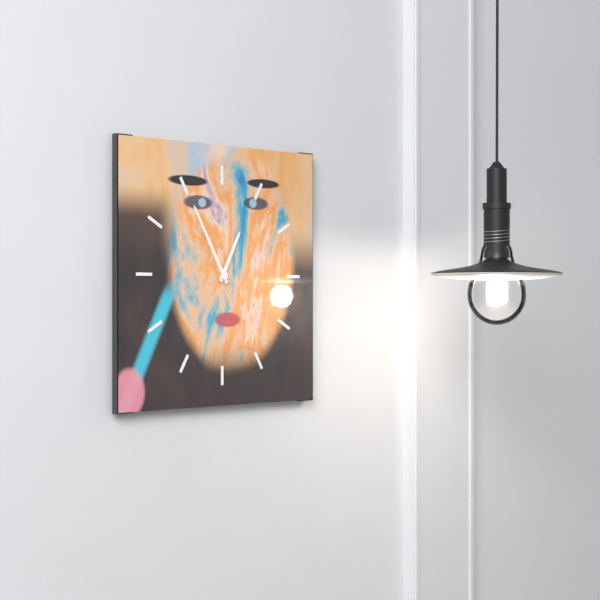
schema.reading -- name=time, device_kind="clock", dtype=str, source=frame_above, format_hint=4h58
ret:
12h55
